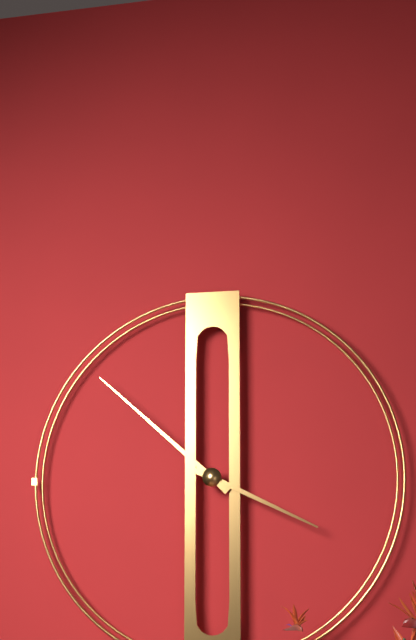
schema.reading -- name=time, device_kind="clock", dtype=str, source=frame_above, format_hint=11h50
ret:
3h52
